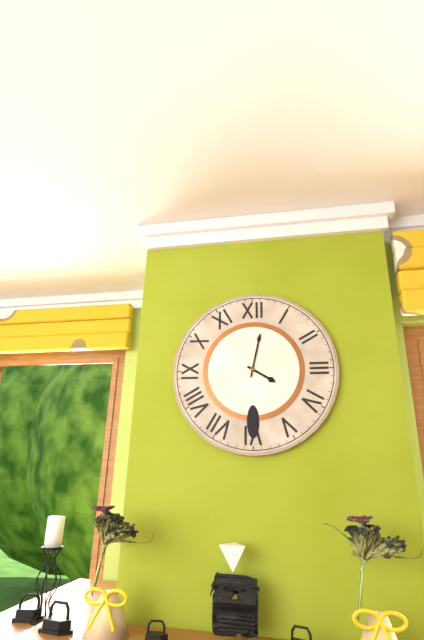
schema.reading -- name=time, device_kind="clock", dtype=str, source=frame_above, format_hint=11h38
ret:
4h02
